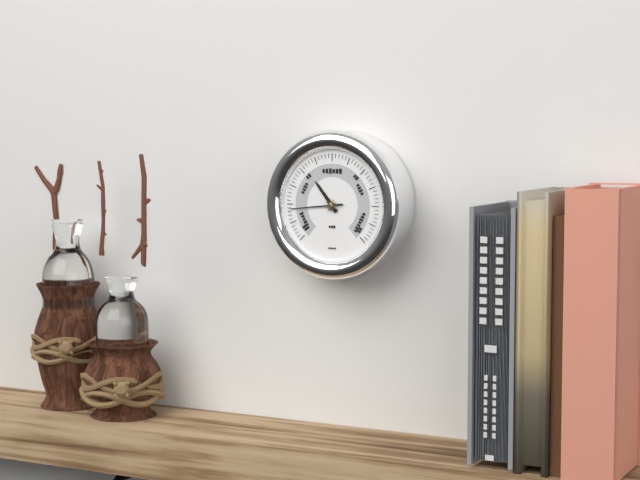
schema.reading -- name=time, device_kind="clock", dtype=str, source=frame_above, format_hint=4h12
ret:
10h44
